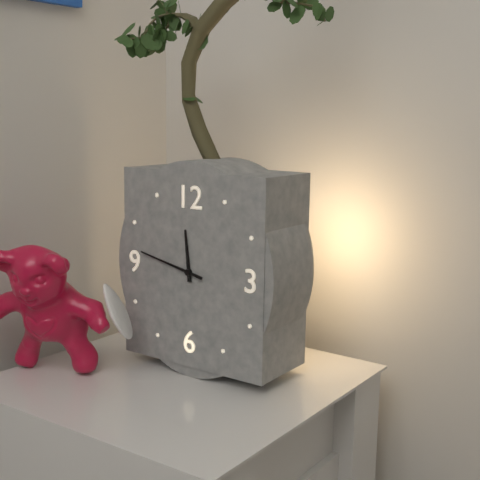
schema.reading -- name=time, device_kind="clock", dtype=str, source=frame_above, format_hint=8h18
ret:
11h47
